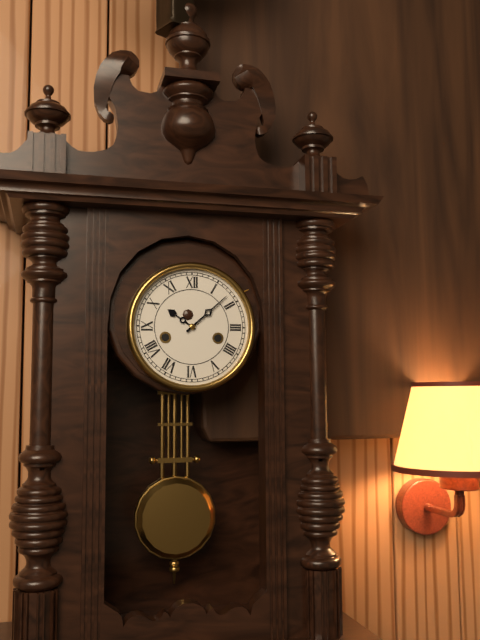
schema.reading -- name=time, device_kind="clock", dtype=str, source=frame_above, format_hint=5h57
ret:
10h08
